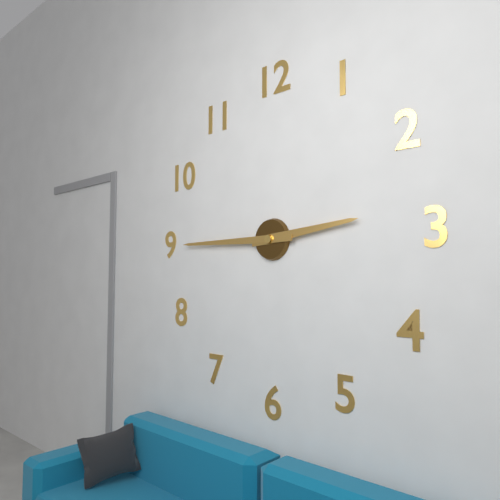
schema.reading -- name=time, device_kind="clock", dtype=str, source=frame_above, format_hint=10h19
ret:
2h45
